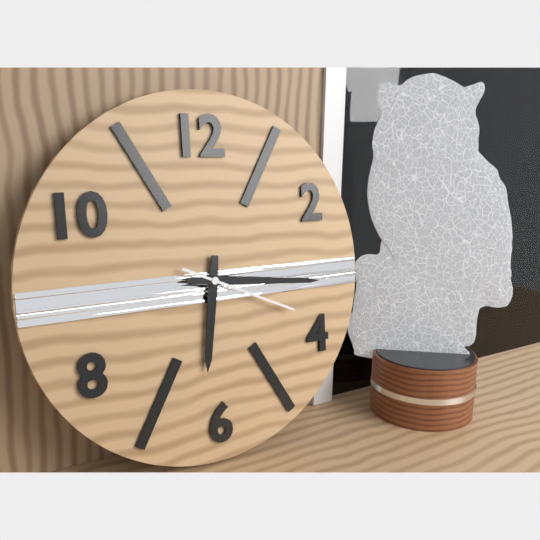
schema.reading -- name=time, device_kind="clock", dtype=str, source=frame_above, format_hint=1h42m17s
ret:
6h16m19s
